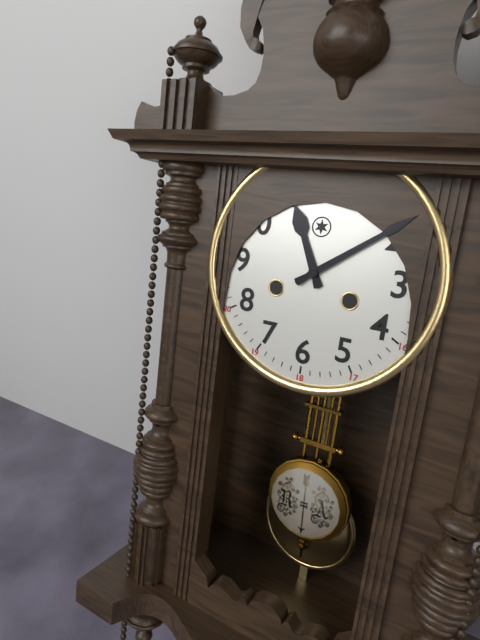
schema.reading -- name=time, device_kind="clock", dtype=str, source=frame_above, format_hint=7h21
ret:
11h09
